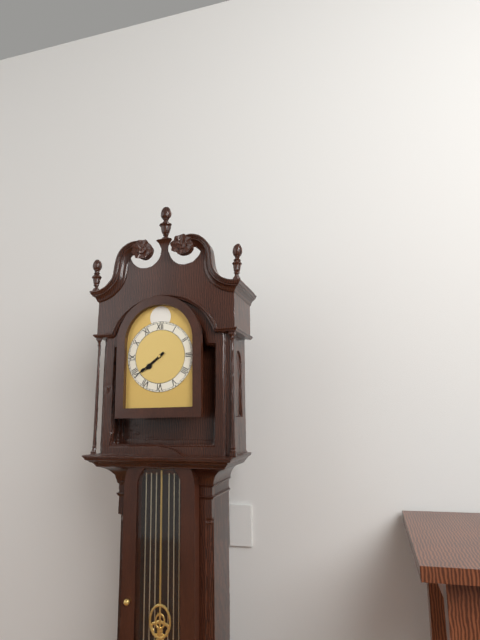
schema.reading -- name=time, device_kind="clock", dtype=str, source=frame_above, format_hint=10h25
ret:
7h39
